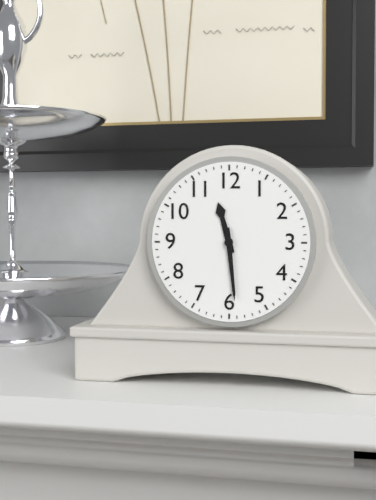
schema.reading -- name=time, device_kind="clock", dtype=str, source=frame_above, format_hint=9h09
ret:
11h29
